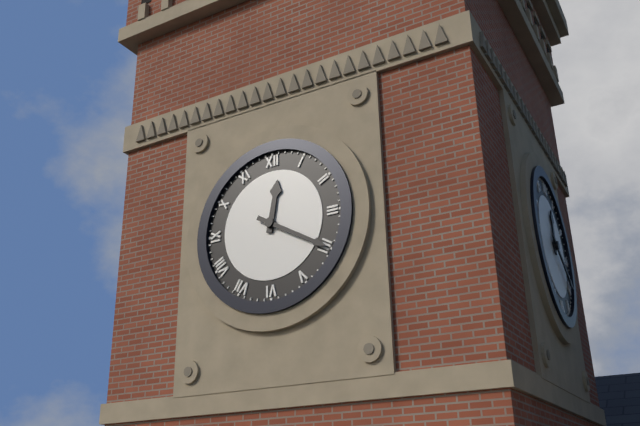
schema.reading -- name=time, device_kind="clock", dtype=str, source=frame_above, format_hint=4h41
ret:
12h20
